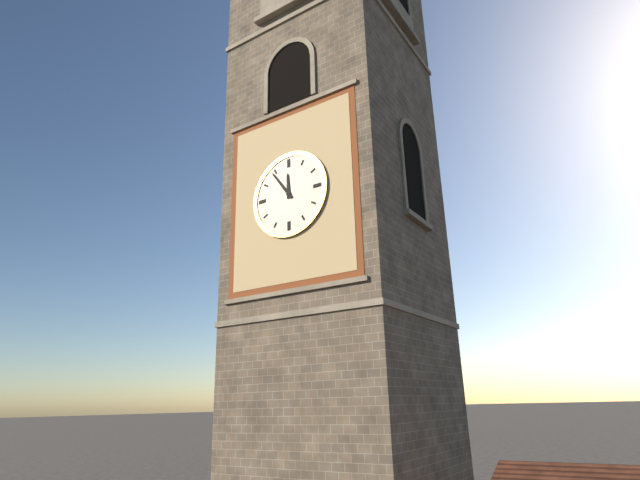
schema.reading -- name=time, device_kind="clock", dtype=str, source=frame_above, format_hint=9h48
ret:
11h54
